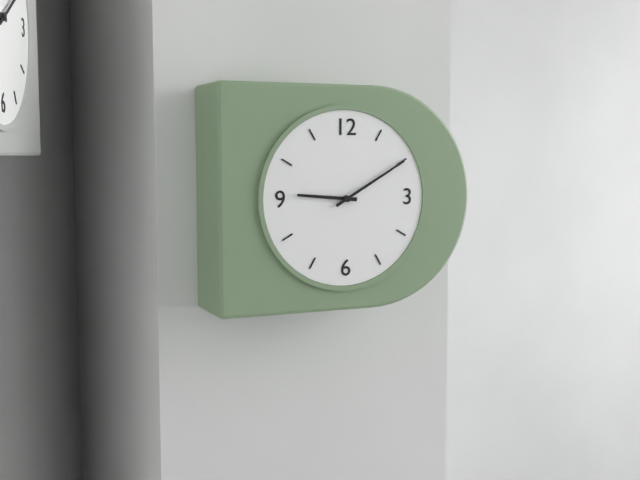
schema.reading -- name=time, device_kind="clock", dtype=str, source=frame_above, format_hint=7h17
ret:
9h10
